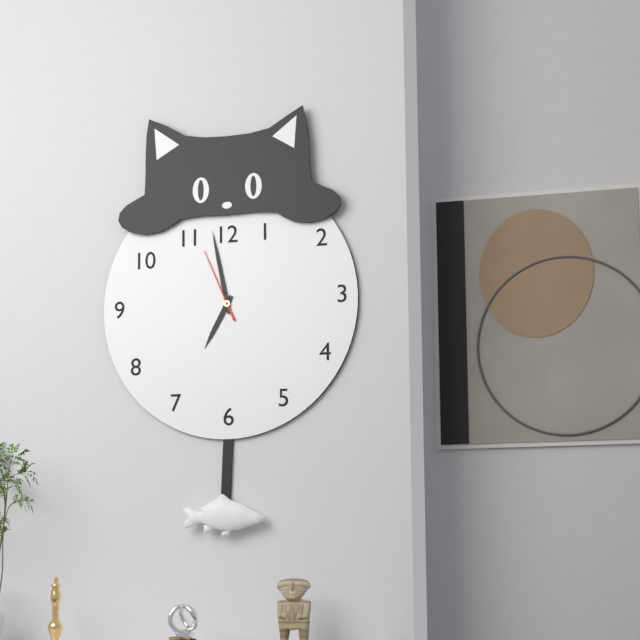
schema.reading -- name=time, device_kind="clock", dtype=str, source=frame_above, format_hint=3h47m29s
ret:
6h58m56s
